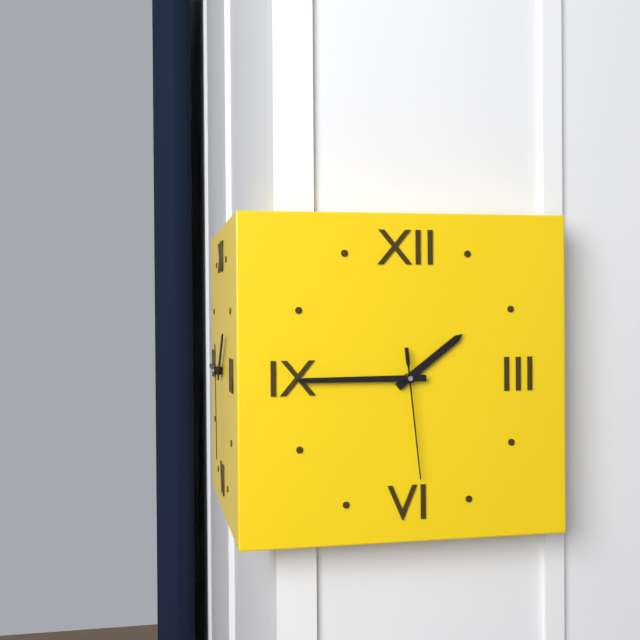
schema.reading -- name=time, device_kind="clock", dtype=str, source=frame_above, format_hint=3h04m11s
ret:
1h45m29s
